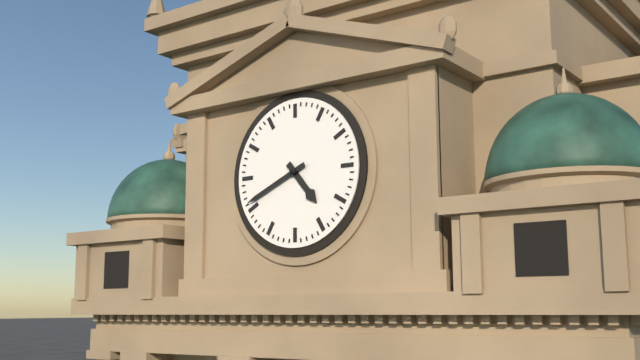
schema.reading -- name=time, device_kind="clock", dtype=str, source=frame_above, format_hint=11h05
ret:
4h41
